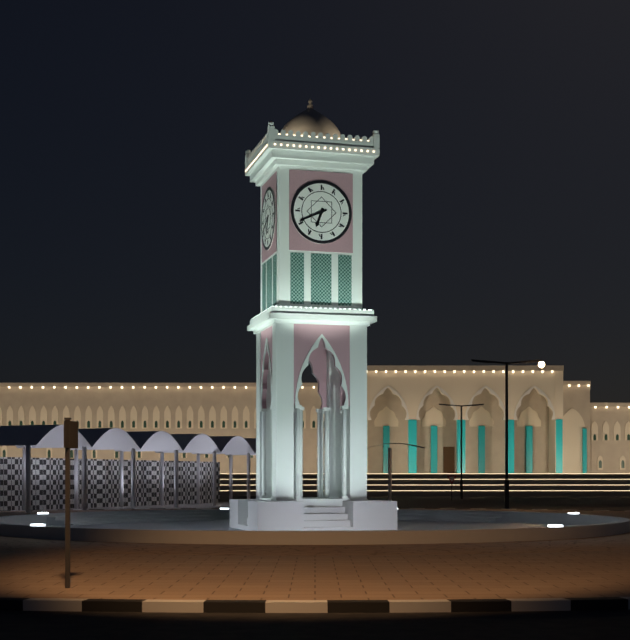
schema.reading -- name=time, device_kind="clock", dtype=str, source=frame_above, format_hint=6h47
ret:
6h41
